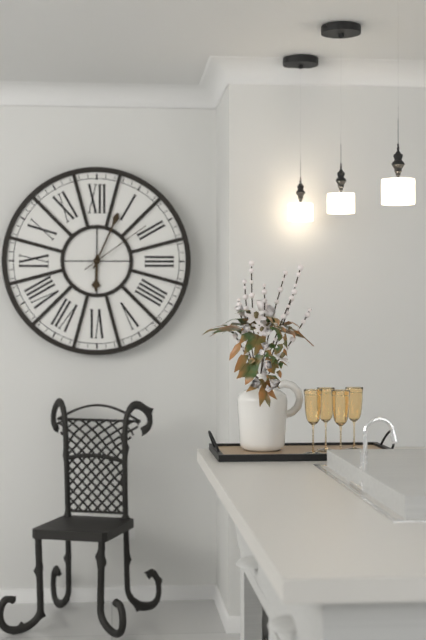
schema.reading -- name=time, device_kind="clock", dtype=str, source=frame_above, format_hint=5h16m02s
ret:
6h04m09s
